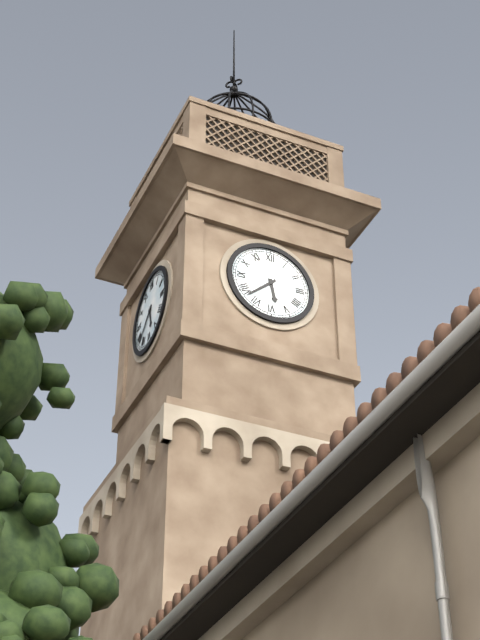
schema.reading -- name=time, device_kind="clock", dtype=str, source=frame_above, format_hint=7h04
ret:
5h38
